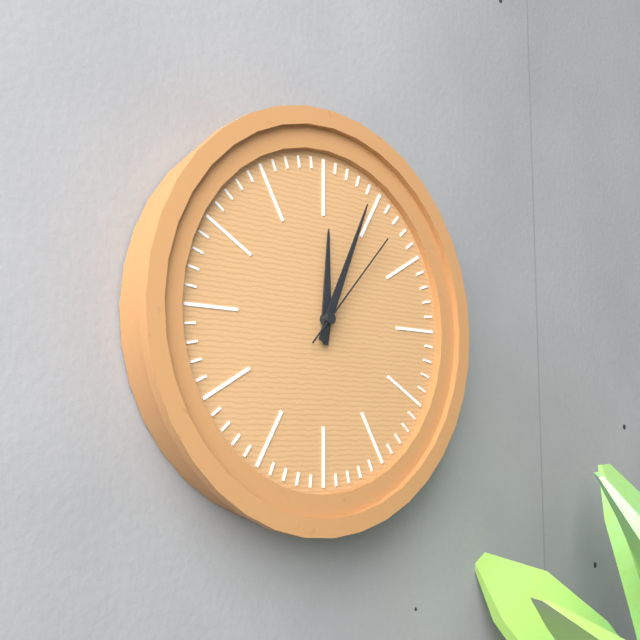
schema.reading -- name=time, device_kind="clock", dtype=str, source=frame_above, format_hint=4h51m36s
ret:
12h04m07s
